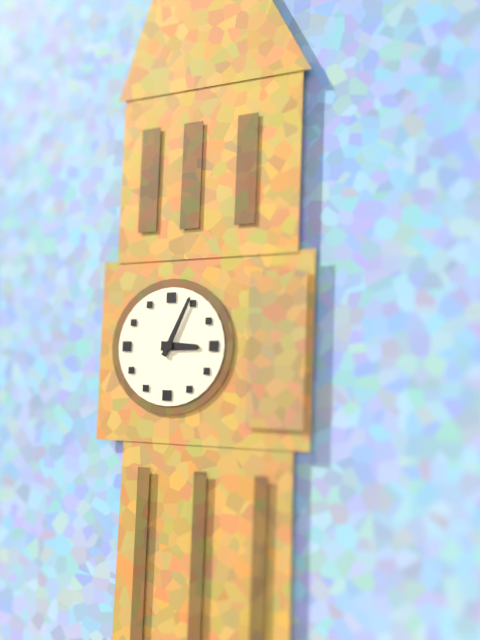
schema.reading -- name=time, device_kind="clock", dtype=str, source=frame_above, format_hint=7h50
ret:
3h04
